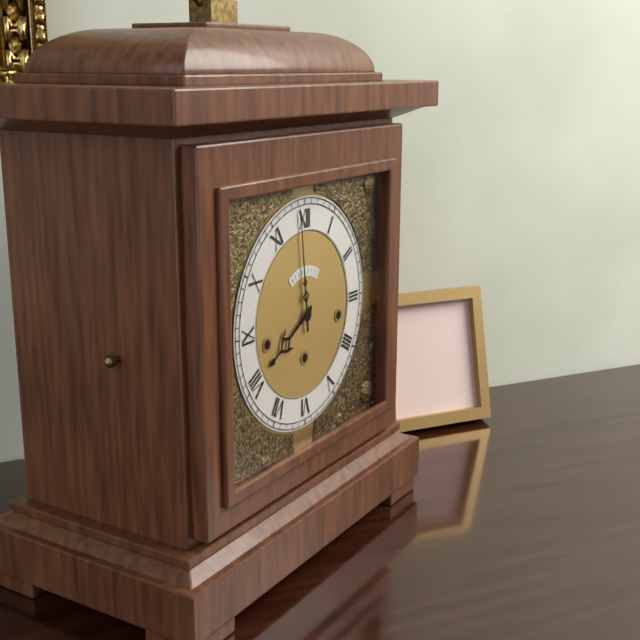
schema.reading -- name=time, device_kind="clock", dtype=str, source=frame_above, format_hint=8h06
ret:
7h59
